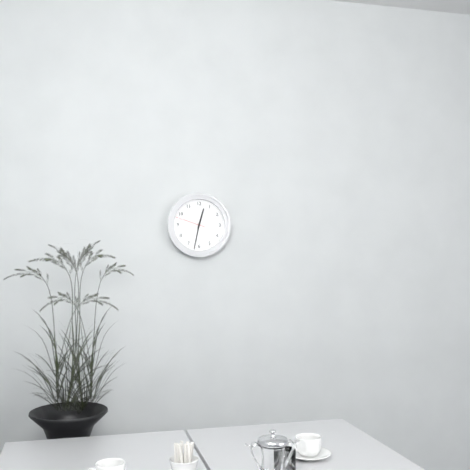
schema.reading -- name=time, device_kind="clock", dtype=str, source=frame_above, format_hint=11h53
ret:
12h32
